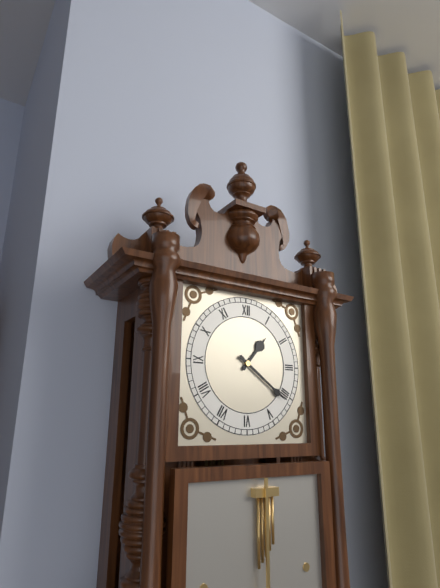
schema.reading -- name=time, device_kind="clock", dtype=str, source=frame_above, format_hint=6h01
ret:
1h21
